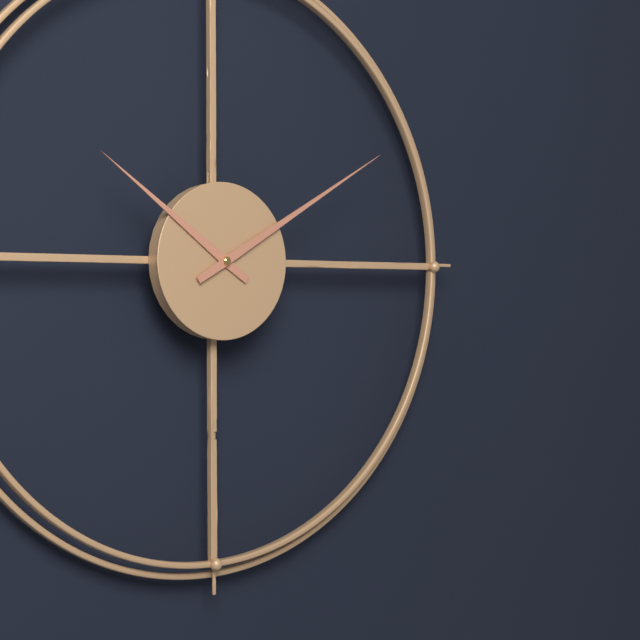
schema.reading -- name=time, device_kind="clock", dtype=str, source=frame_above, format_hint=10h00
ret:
10h10
